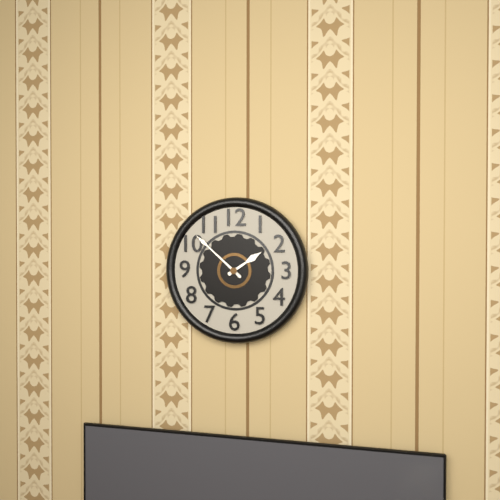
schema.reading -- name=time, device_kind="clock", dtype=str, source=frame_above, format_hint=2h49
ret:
1h52
